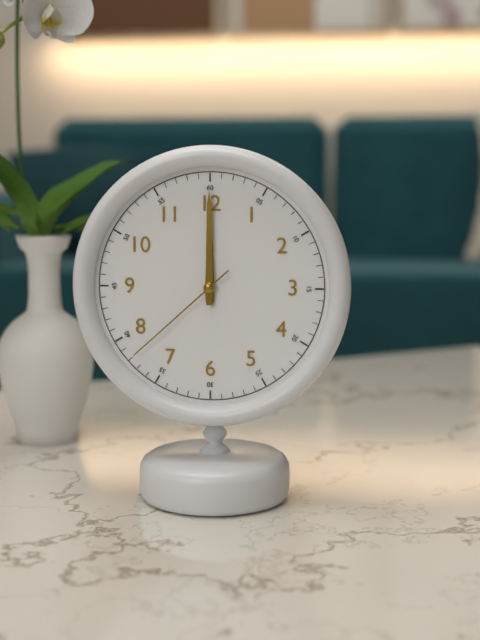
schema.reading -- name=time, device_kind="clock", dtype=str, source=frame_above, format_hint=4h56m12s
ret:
12h00m38s
